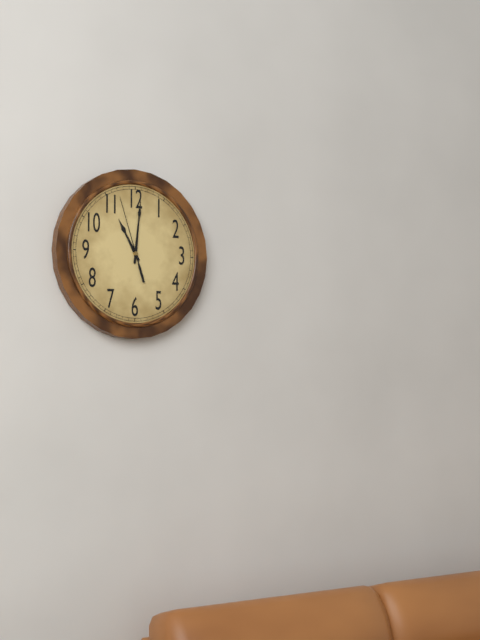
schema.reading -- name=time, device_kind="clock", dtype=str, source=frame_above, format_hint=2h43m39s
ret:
11h01m57s
